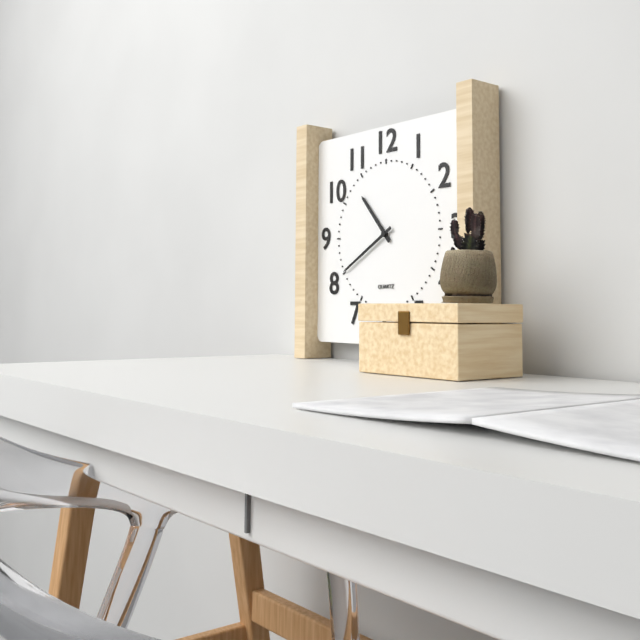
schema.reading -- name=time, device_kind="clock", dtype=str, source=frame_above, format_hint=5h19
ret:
10h40
